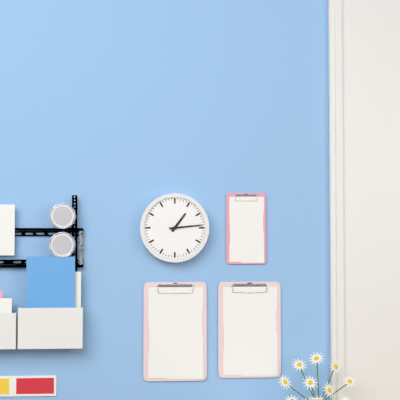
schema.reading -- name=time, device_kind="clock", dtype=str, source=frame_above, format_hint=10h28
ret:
1h14
